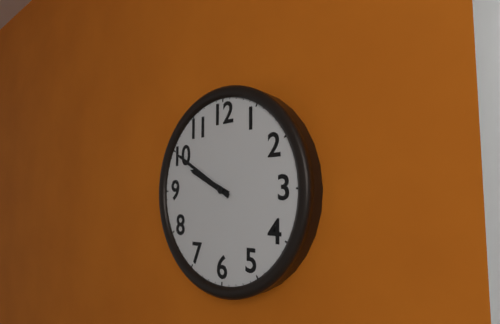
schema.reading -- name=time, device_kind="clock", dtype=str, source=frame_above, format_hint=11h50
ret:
9h50
